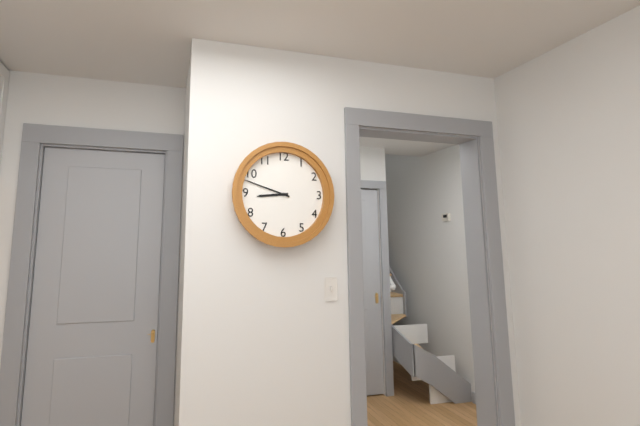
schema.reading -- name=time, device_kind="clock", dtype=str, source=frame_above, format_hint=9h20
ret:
8h48
